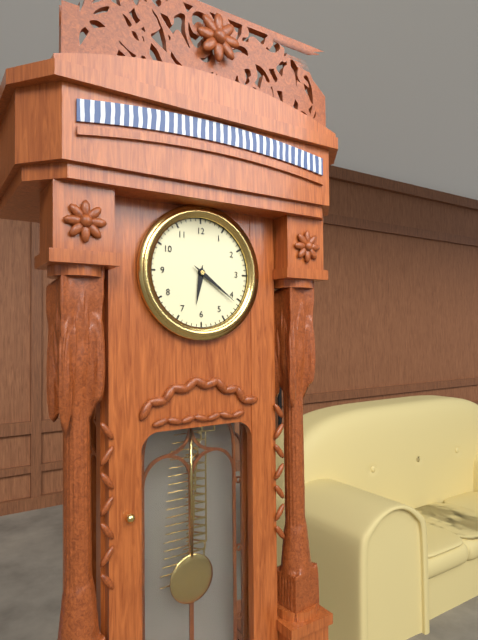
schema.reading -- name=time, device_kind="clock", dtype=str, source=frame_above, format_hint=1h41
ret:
6h21
